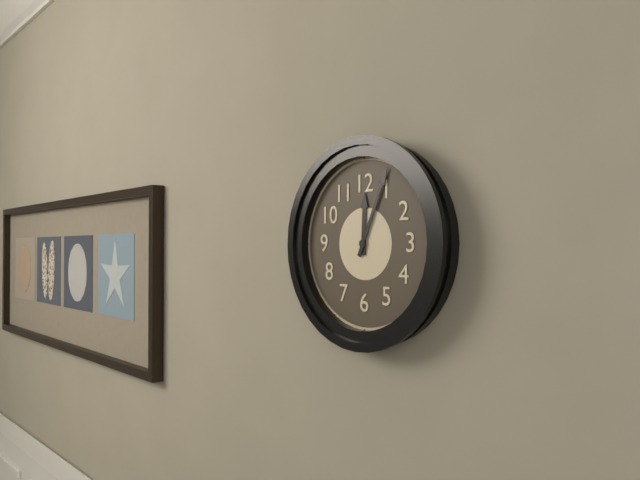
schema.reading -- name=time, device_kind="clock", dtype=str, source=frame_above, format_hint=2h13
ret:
12h04
